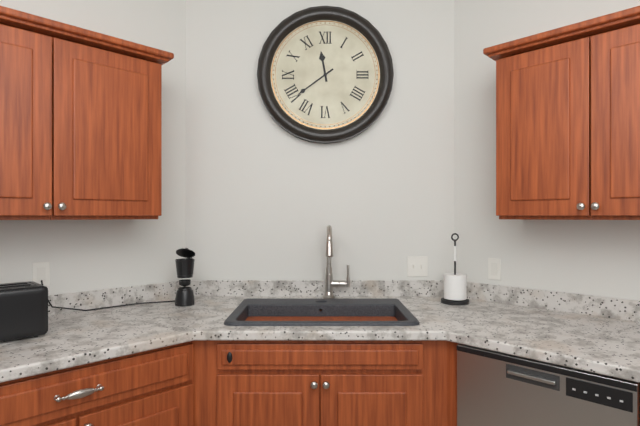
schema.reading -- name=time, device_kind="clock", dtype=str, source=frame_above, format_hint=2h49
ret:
11h39
